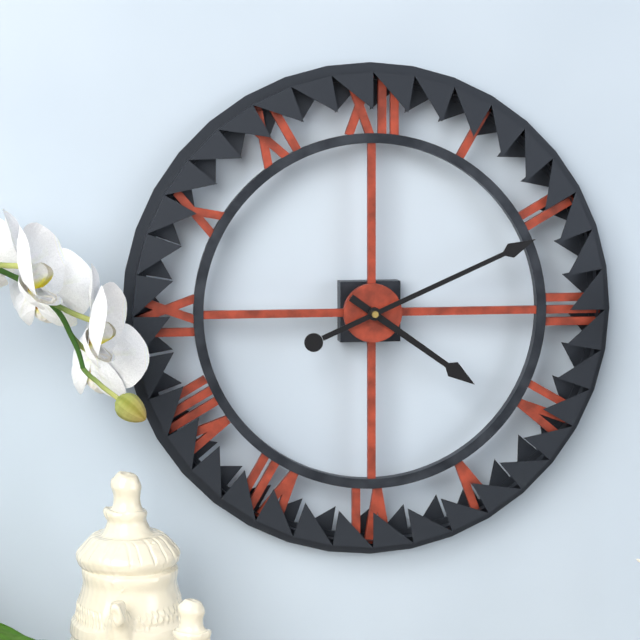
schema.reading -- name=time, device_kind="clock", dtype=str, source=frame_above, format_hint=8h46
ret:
4h11
